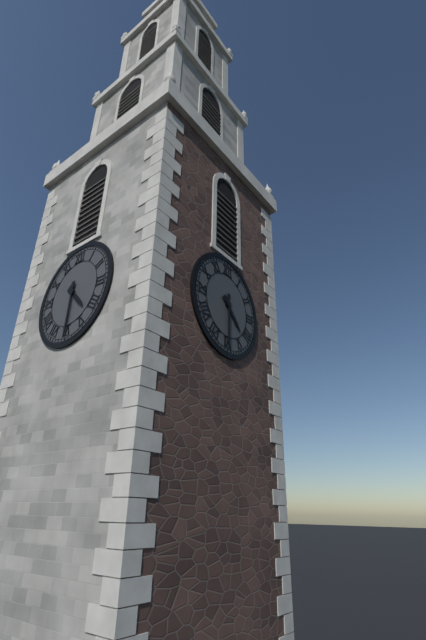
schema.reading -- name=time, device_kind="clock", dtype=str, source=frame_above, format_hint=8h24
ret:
4h30
